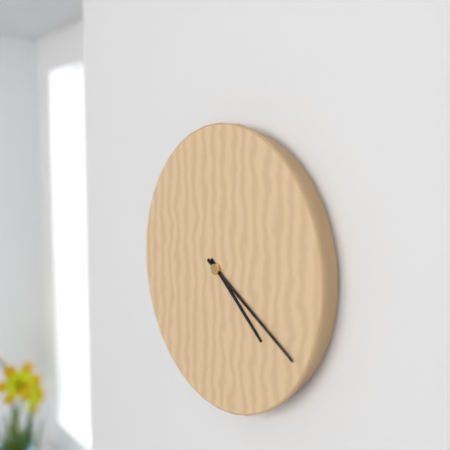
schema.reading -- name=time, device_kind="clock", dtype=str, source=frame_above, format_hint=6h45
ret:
4h20
